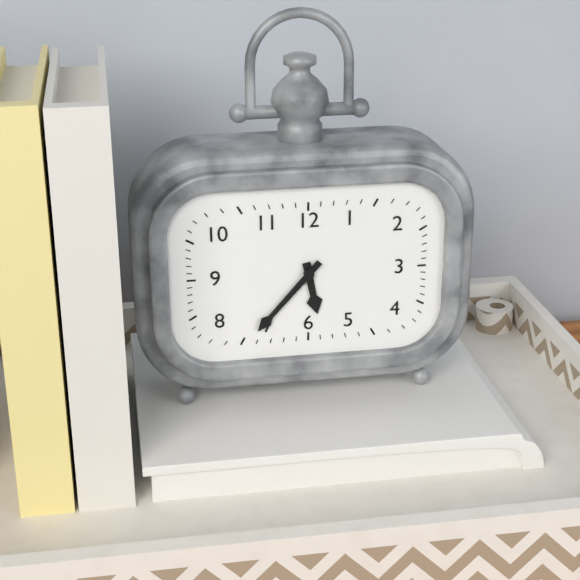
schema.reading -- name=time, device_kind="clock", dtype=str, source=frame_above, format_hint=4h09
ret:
5h37
